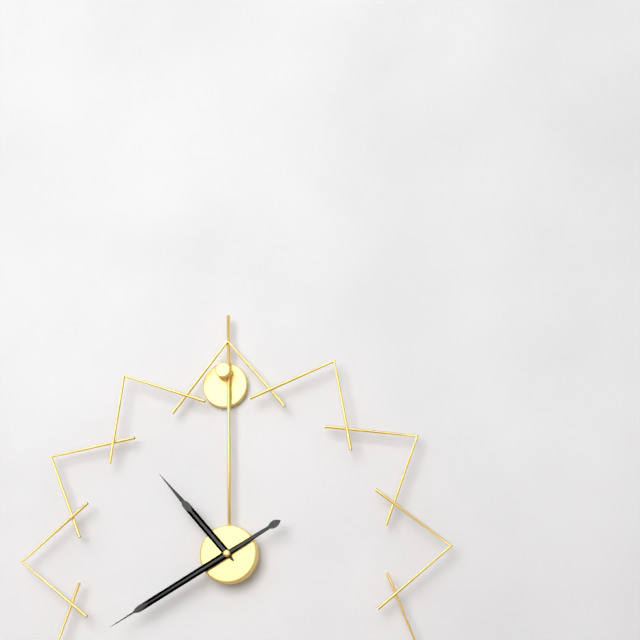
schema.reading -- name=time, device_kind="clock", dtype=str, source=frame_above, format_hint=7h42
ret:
10h40
